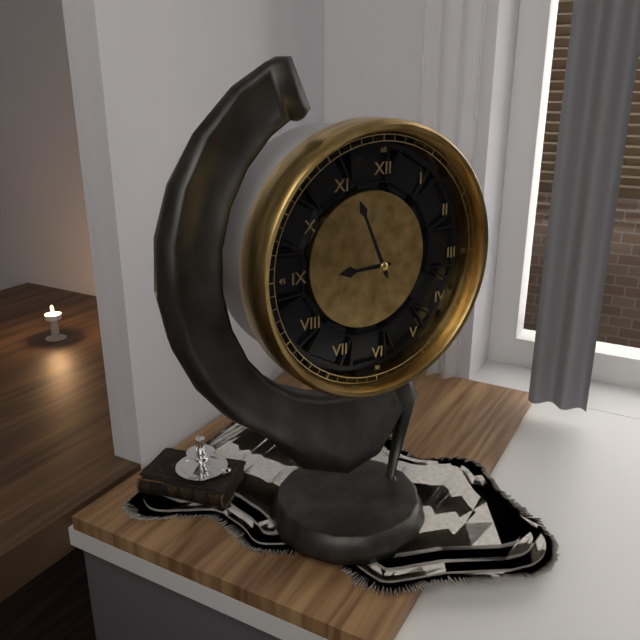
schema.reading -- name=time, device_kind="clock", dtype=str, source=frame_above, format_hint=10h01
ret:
8h56
